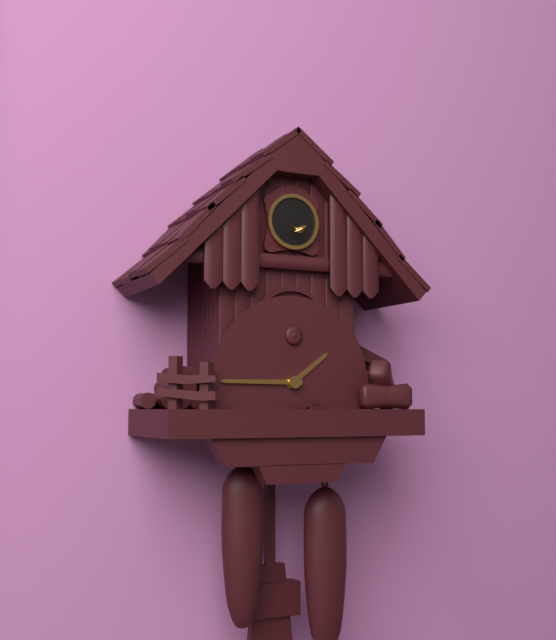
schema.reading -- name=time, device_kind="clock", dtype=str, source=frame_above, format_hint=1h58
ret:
1h45
